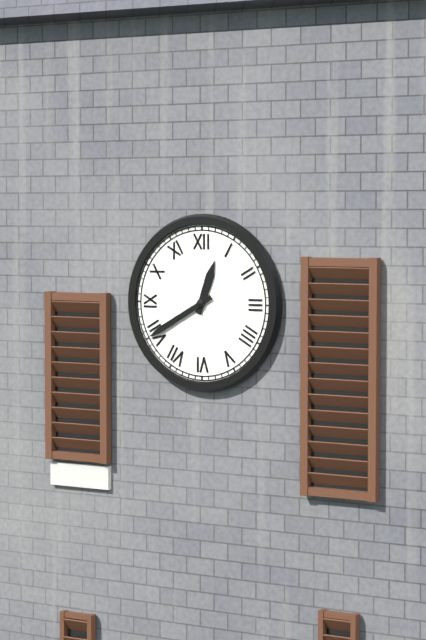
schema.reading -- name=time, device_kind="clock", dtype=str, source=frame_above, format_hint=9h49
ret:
12h40
